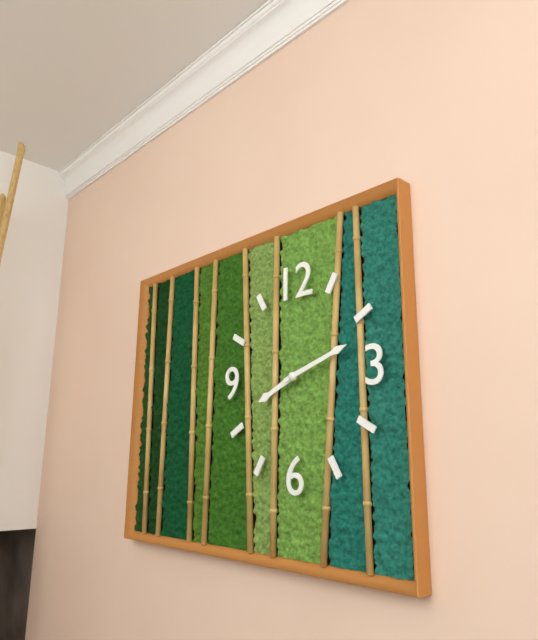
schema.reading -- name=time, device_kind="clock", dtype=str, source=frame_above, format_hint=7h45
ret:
8h12
